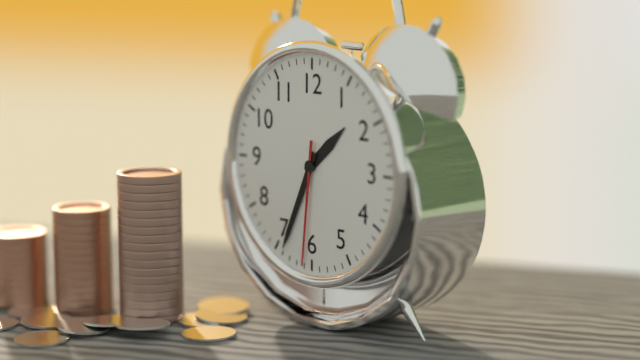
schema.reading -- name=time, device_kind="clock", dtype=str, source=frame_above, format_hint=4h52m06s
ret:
1h34m31s
